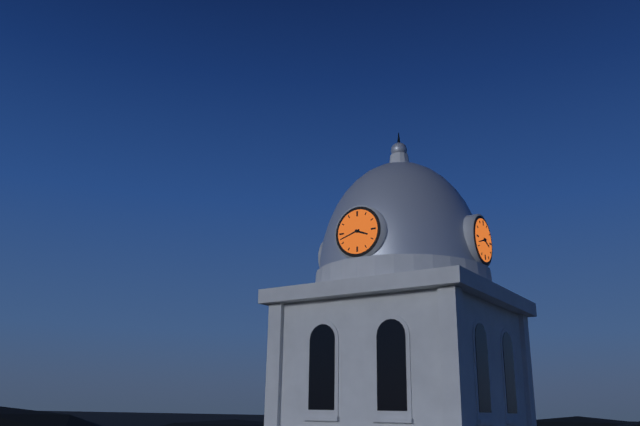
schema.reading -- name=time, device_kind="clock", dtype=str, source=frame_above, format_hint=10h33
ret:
3h42
